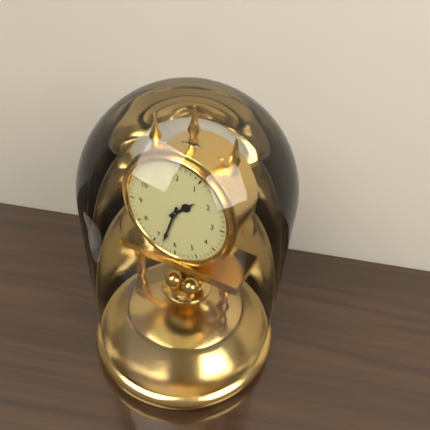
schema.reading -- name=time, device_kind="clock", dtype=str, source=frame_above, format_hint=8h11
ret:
1h33
